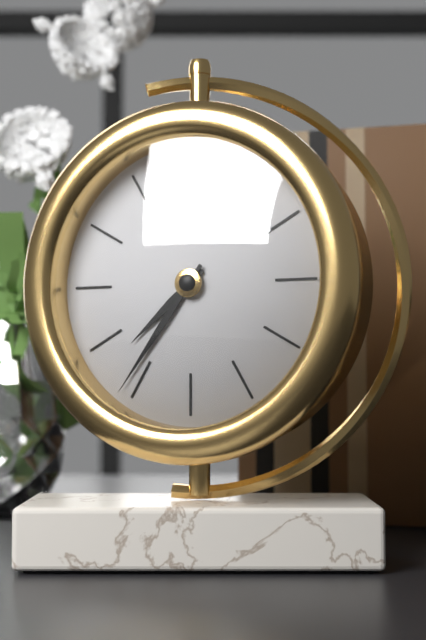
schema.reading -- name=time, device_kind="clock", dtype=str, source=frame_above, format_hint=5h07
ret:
7h36
